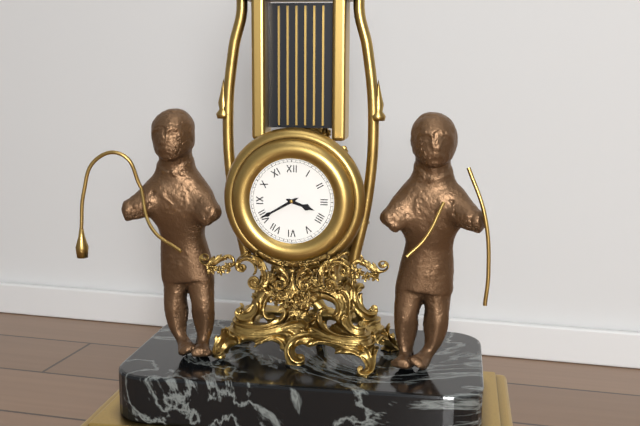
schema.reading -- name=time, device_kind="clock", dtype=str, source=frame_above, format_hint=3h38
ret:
3h40
